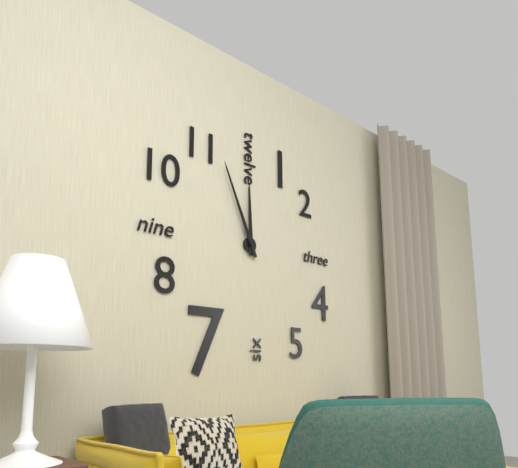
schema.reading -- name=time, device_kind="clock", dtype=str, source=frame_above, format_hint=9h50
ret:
11h56
